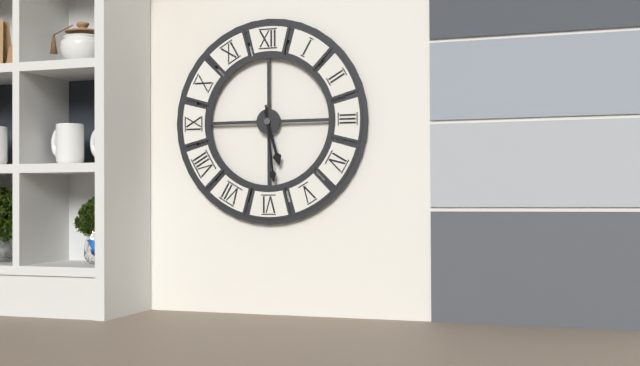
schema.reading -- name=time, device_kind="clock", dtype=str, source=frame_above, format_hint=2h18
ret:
5h29
